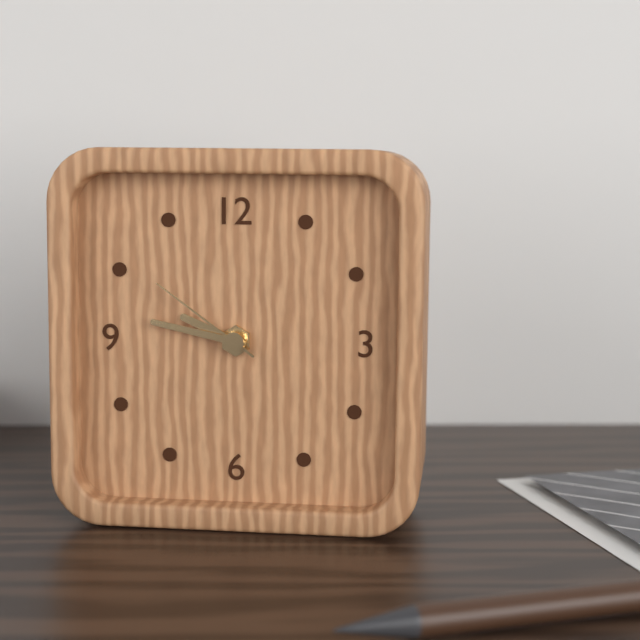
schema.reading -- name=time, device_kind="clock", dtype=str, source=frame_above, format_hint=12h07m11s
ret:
9h47m51s
